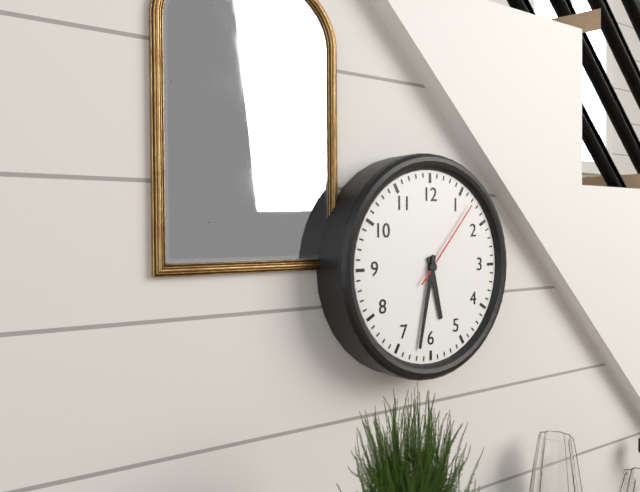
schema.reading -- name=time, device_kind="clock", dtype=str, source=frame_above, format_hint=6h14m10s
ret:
5h32m07s
